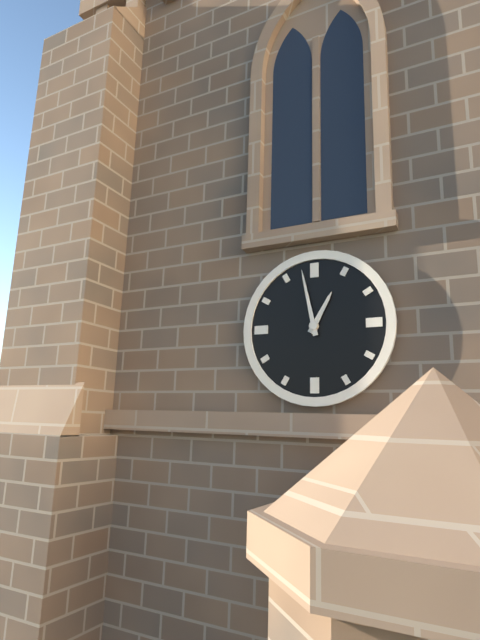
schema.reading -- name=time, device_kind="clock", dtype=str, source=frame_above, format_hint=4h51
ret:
12h58
